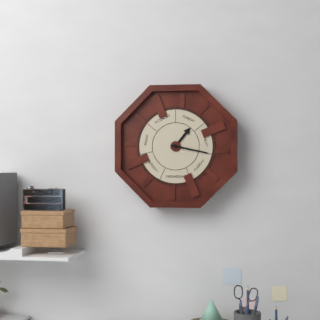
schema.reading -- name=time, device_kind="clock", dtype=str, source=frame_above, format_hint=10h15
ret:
1h17
